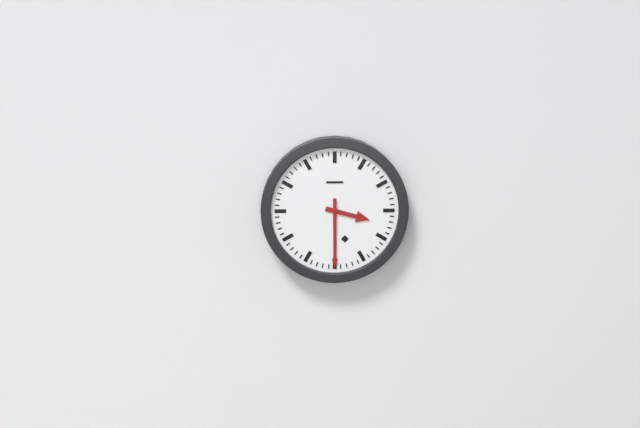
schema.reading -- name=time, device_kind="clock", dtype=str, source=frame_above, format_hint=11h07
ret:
3h30
